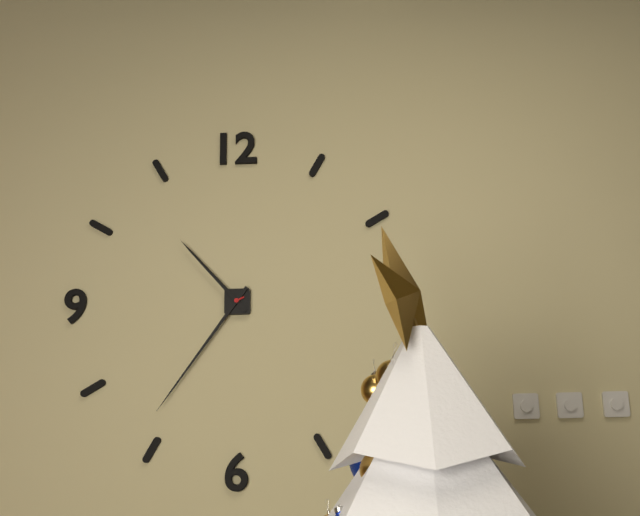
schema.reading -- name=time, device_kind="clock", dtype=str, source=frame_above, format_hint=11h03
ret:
10h36
